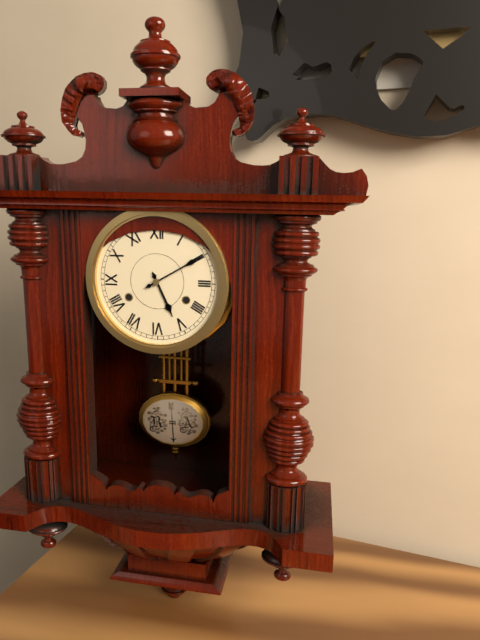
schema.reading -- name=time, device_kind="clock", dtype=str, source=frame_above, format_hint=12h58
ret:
5h10
